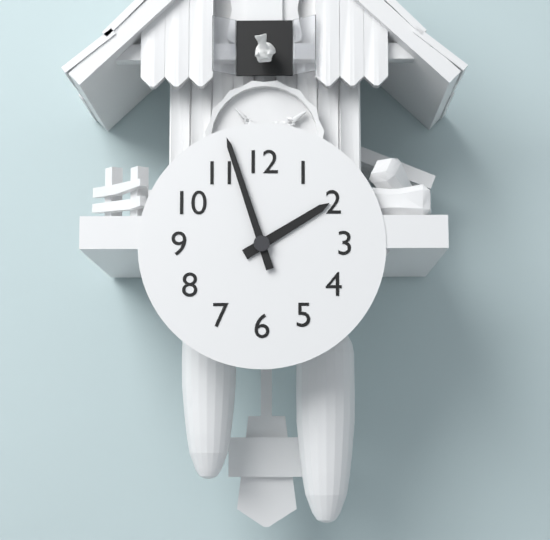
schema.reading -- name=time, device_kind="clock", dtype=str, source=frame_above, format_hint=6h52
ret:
1h57
